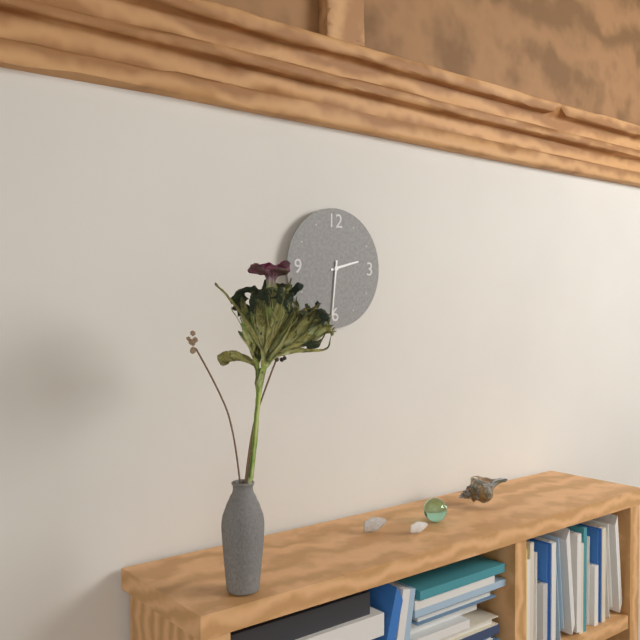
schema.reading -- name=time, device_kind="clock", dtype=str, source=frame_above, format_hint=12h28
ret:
2h31
